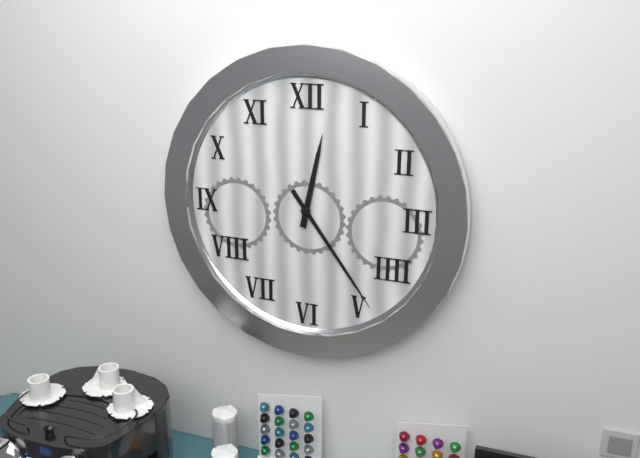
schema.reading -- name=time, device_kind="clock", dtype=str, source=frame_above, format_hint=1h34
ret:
12h24
